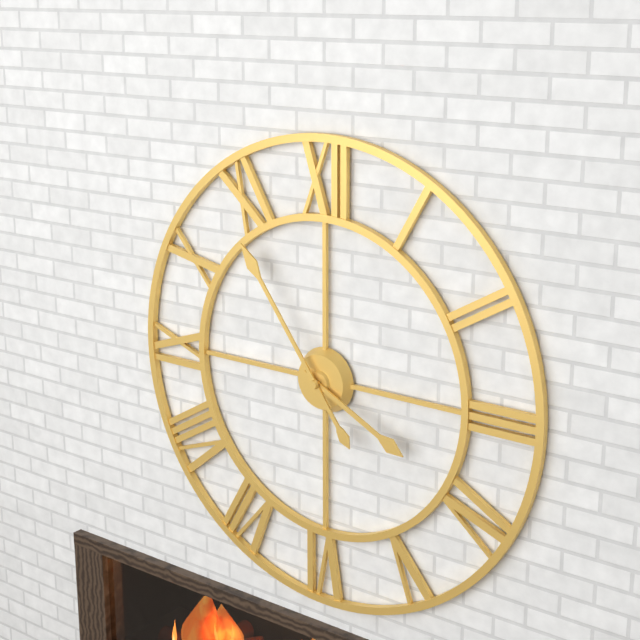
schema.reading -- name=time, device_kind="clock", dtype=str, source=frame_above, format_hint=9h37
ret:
3h54
